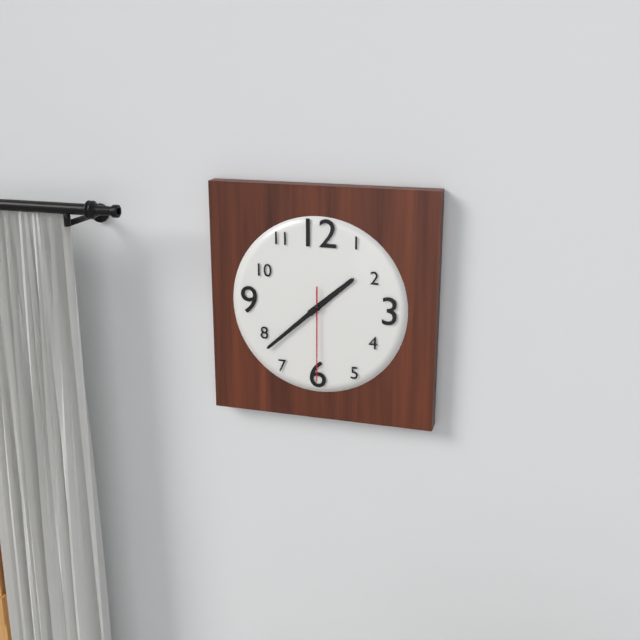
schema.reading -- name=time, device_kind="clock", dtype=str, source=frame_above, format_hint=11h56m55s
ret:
1h38m30s
